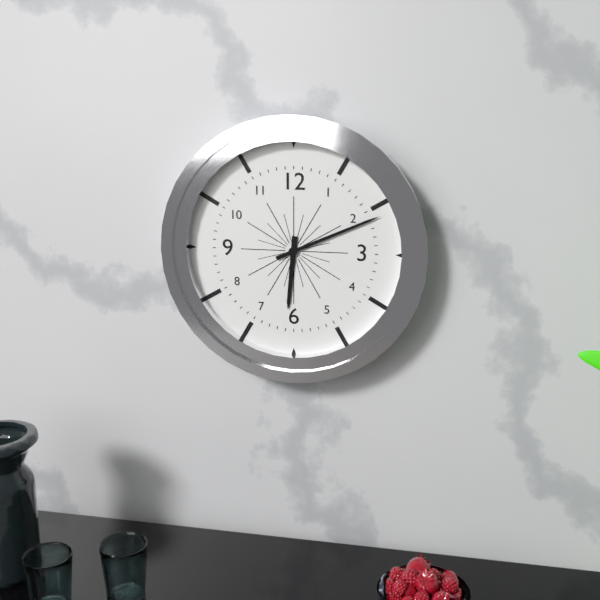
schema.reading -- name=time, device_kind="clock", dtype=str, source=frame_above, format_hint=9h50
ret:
6h11
